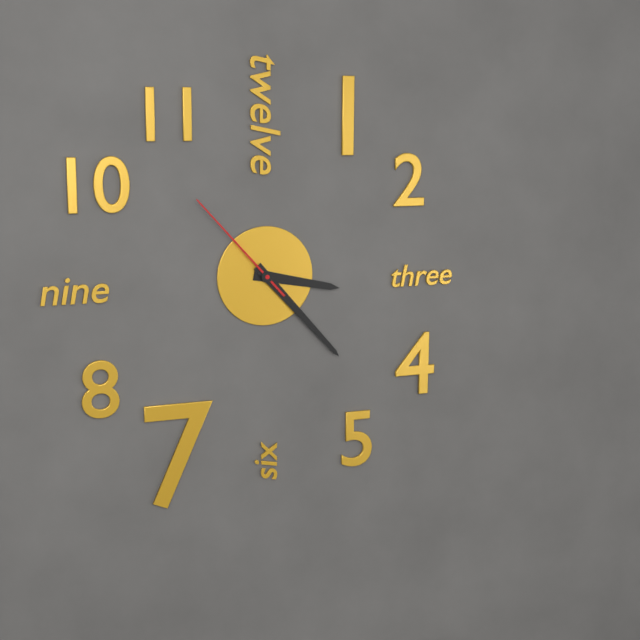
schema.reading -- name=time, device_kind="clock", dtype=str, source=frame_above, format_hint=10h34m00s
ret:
3h23m53s
